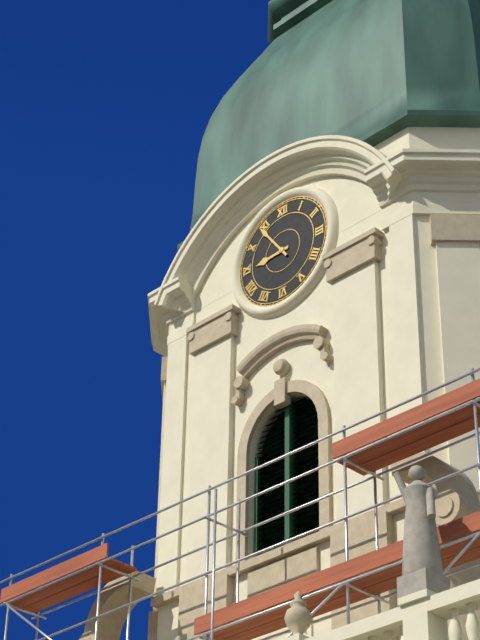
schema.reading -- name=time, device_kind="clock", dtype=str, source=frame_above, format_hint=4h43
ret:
8h54
